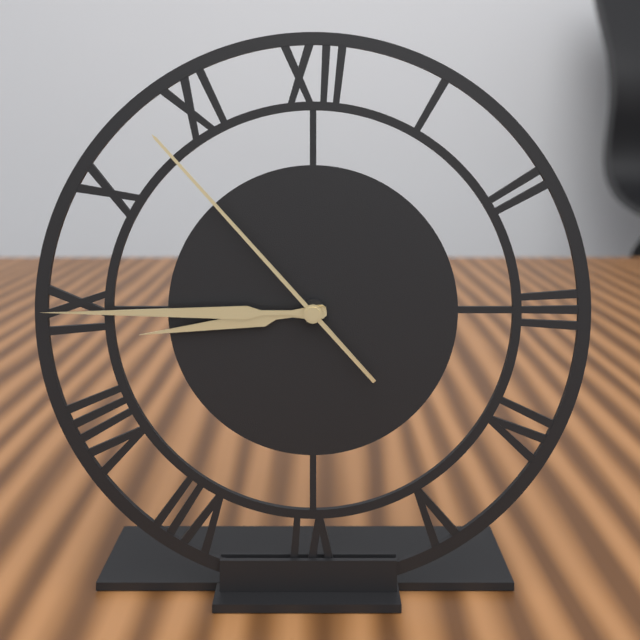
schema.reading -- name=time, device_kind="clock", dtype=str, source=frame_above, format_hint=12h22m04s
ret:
8h45m53s
